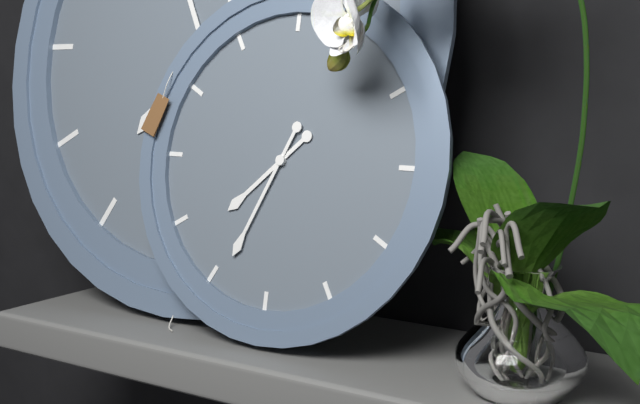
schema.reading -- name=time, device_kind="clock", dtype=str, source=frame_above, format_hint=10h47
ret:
7h34
